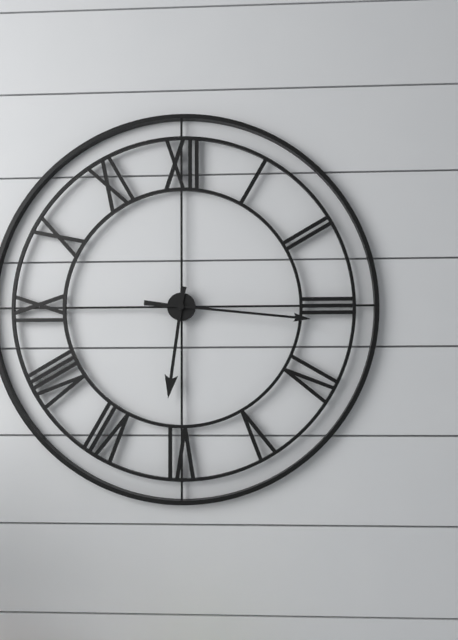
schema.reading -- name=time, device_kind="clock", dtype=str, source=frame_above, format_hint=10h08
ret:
6h16
